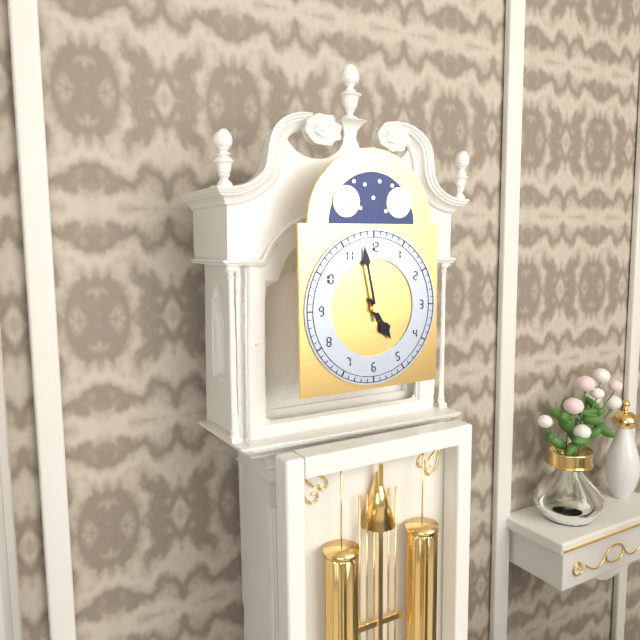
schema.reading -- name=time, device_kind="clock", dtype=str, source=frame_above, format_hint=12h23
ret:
4h58
